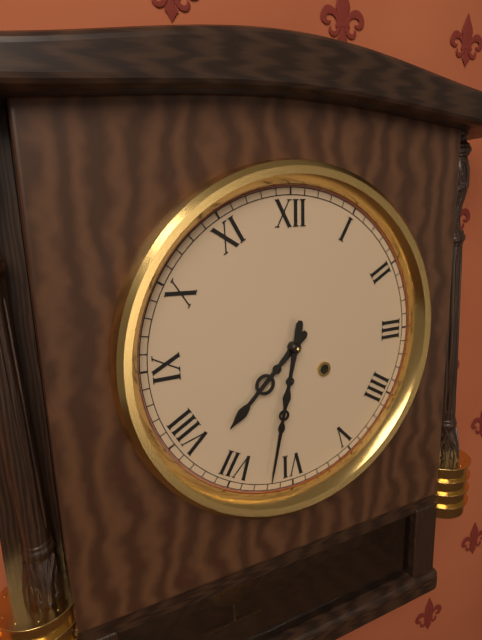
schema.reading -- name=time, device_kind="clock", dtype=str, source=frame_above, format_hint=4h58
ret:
7h32
